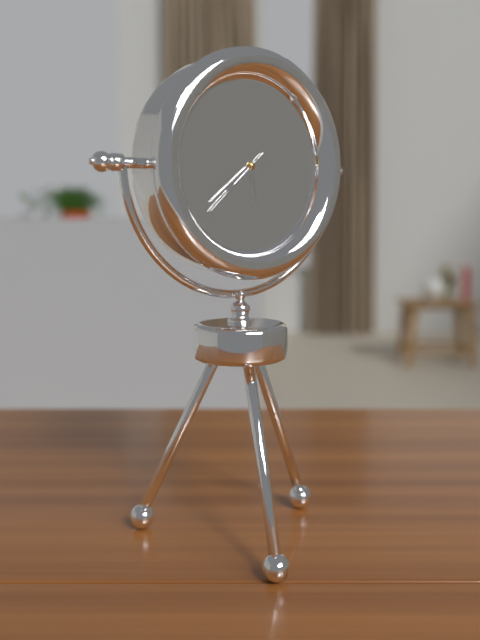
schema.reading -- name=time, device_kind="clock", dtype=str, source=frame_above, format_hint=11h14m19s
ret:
5h39m38s
